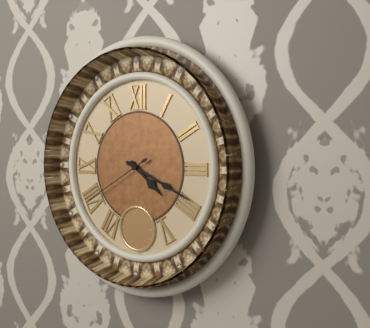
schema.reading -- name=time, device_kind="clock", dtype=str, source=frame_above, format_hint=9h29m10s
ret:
4h19m40s
